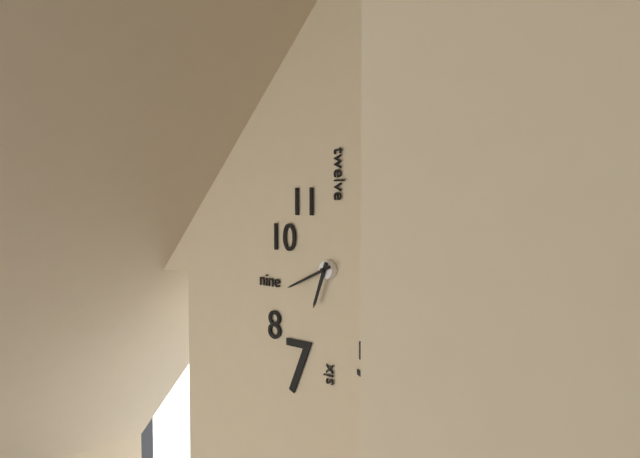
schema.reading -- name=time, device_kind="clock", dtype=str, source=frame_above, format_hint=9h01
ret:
6h41
